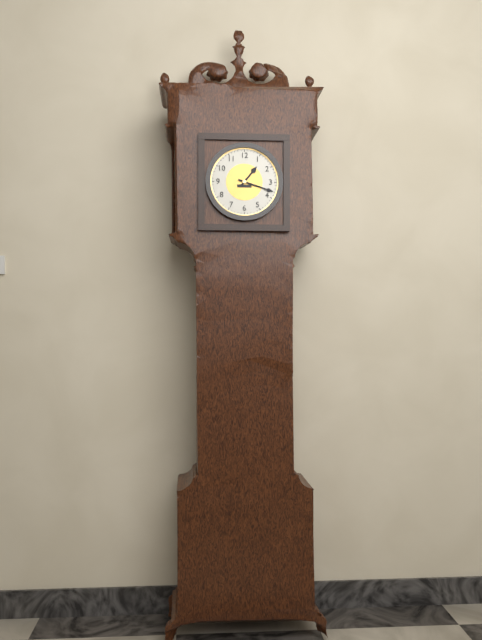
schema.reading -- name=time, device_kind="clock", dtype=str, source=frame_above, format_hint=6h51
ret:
1h18
